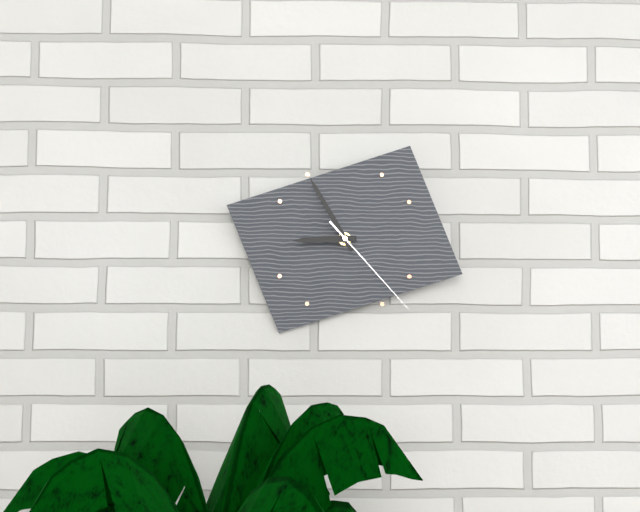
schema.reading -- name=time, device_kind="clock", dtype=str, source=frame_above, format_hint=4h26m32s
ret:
8h55m23s
